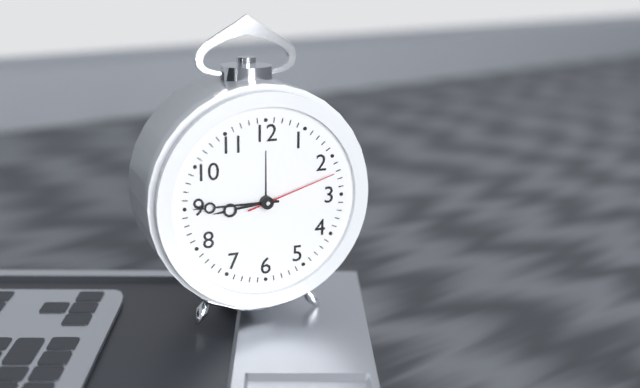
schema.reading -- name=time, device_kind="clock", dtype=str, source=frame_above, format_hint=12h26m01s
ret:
8h45m12s
